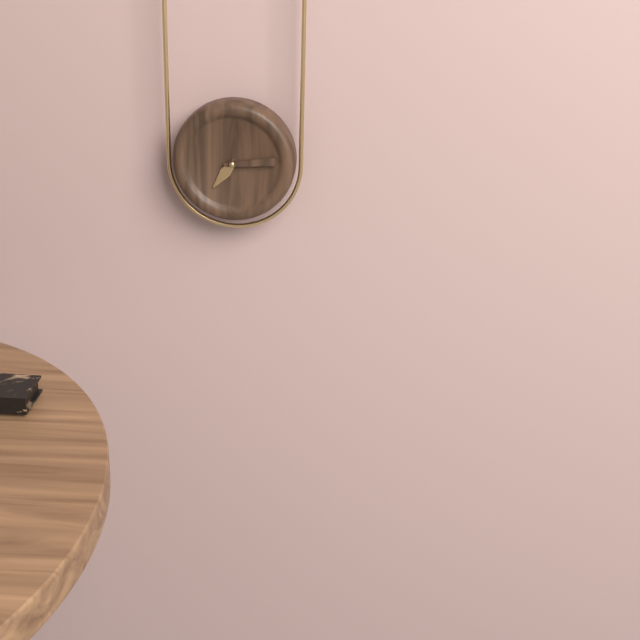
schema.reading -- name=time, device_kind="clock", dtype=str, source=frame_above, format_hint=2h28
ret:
7h14
